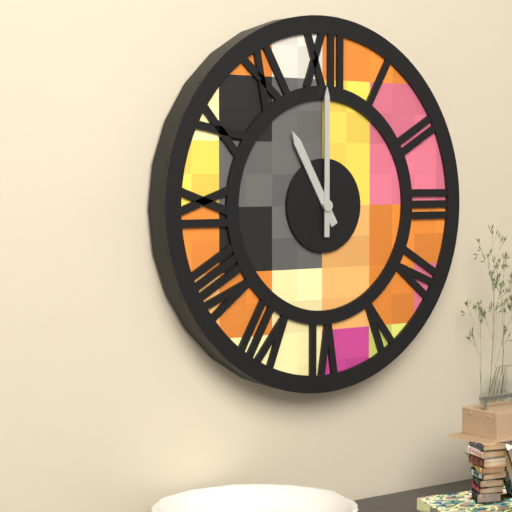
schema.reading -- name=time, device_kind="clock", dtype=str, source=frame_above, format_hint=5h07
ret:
11h00
